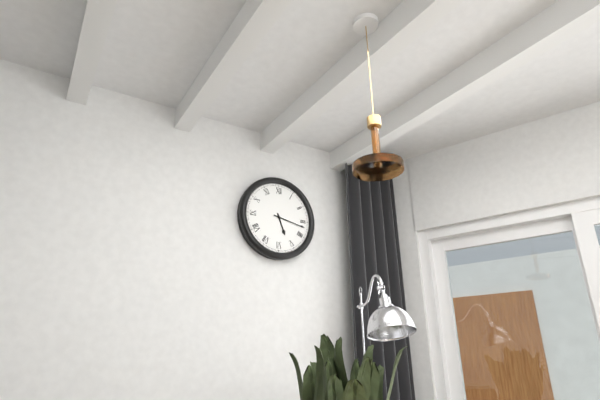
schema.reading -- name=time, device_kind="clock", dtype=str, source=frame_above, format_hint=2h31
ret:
5h17
